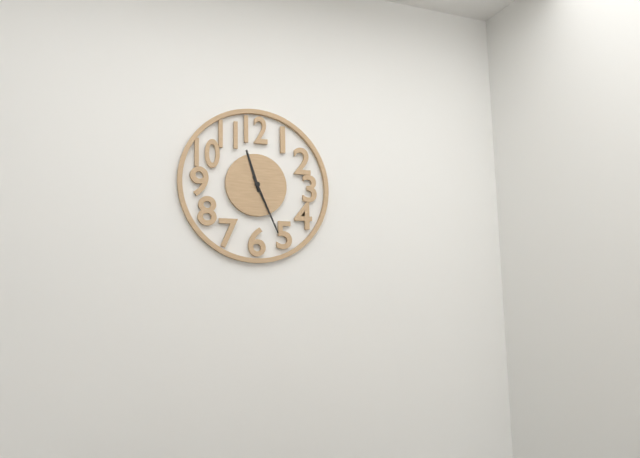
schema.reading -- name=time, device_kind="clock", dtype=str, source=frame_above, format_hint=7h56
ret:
11h26
